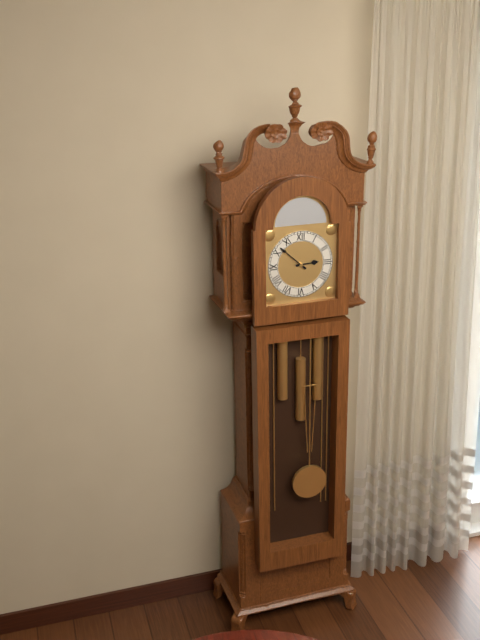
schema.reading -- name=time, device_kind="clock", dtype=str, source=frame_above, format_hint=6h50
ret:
2h52
